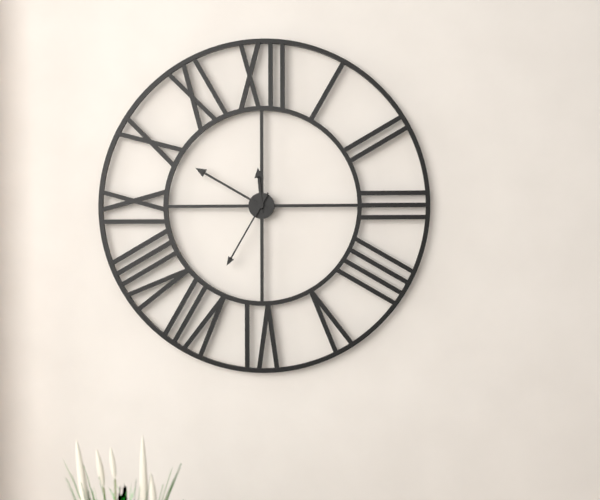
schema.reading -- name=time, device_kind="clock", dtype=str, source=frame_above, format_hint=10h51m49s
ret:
11h50m35s
